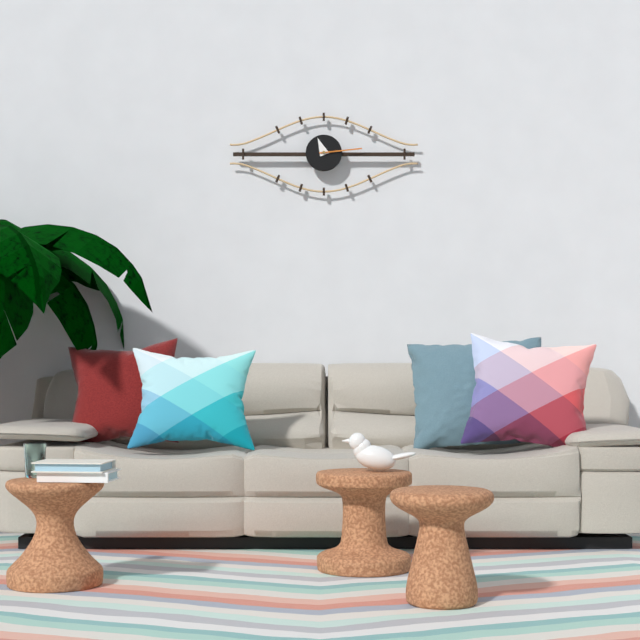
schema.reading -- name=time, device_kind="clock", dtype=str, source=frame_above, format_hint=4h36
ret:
11h14
